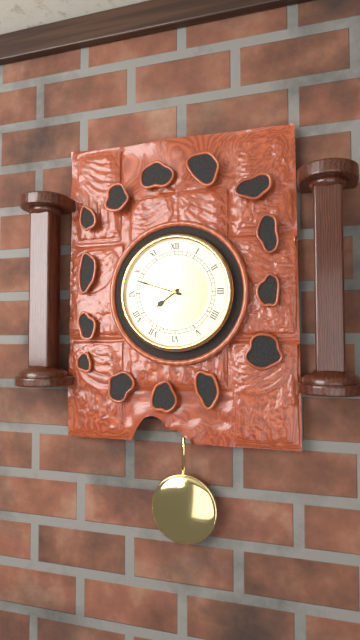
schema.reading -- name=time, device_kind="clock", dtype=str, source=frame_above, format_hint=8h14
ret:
7h48
